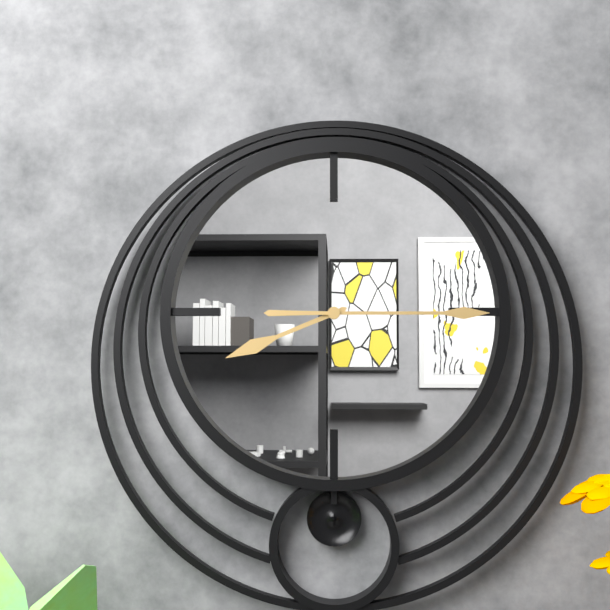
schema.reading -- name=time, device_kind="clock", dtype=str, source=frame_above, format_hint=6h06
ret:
8h15
